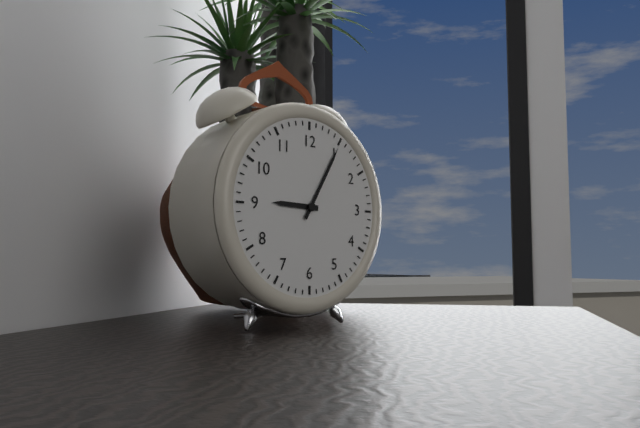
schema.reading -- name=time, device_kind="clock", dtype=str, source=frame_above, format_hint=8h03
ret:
9h05
